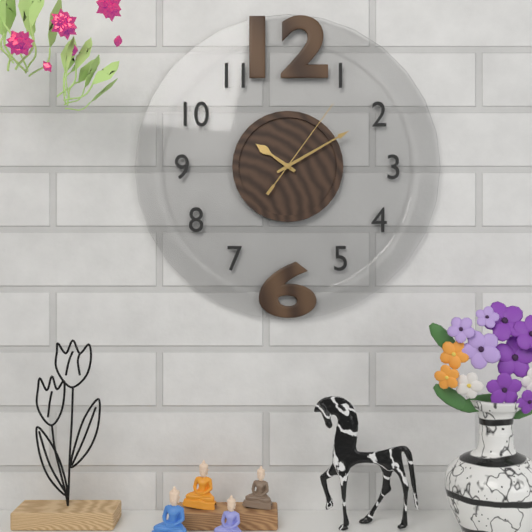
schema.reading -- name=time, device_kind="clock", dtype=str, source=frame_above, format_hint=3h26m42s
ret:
10h10m06s
